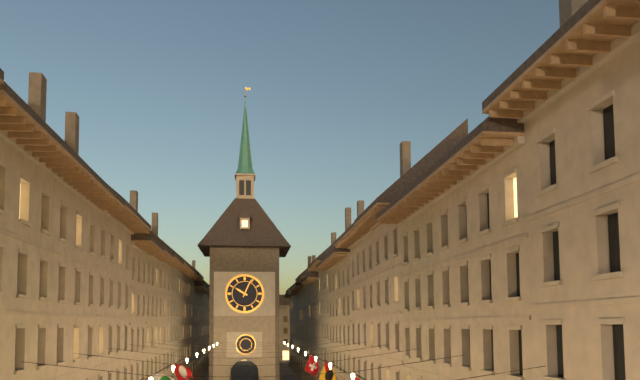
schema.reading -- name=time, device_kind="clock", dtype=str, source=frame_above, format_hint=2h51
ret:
10h04
